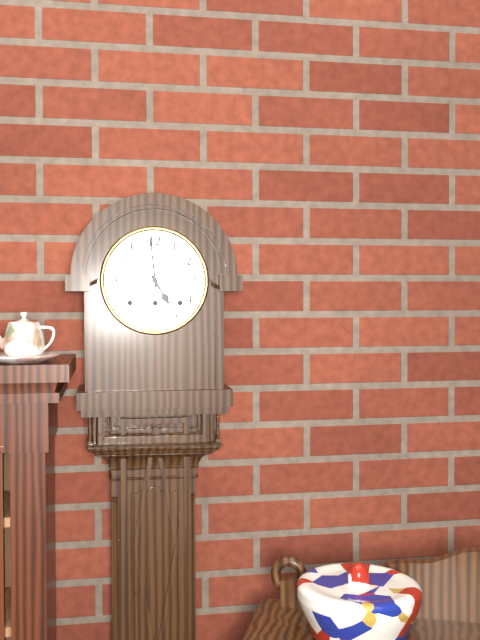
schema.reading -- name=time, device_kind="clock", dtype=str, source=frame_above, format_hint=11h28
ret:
4h59
